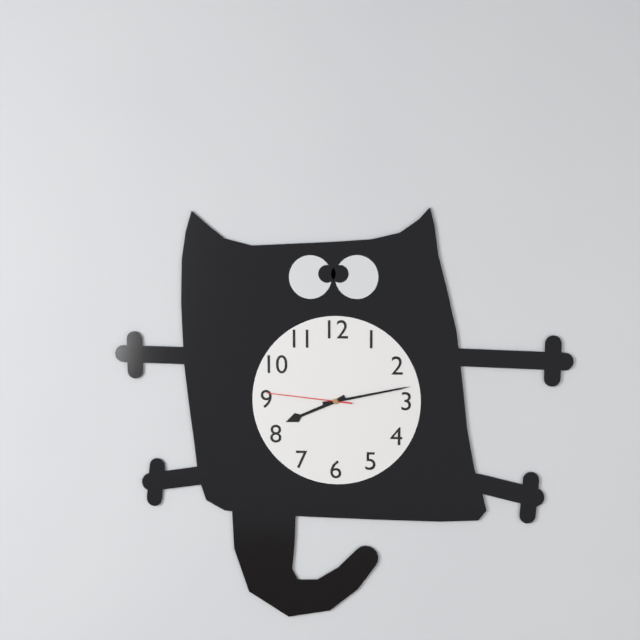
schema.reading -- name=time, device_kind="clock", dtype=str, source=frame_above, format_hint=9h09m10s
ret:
8h13m46s
